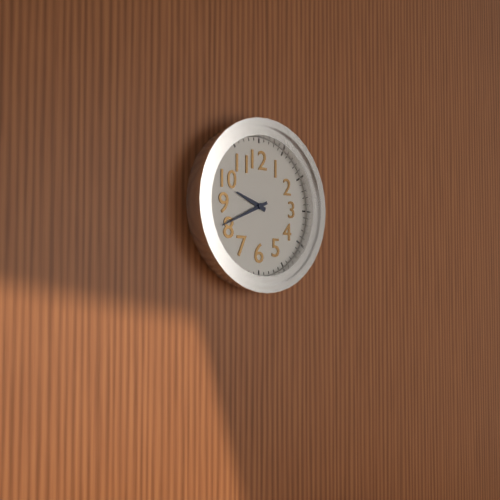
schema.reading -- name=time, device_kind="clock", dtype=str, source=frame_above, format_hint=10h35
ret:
9h41
